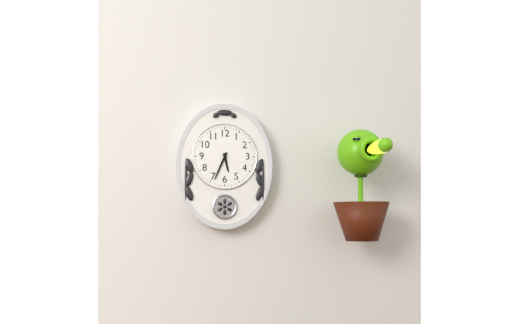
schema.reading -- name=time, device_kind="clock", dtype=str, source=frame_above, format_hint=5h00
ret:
5h34
